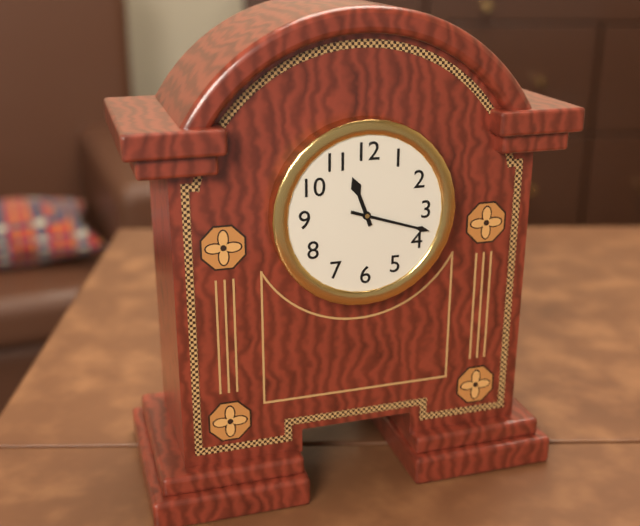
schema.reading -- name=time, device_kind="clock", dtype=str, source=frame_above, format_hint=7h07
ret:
11h18
